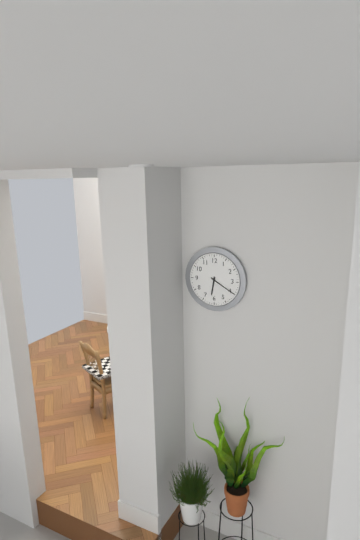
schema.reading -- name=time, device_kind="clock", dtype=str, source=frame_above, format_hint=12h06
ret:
6h20
